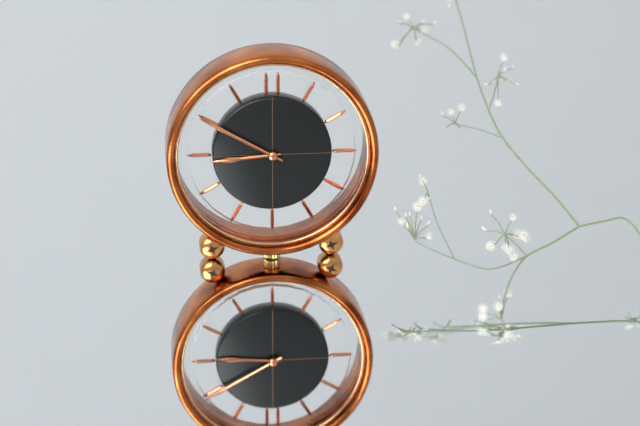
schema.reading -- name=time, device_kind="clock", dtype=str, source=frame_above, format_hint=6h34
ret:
8h50
